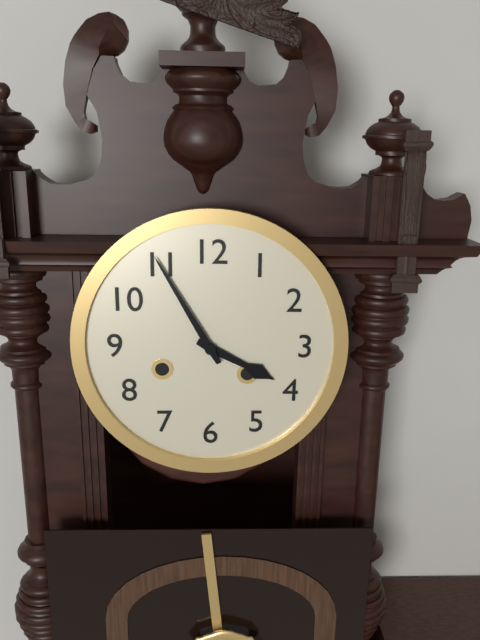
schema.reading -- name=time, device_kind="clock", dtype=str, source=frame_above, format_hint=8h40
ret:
3h55
